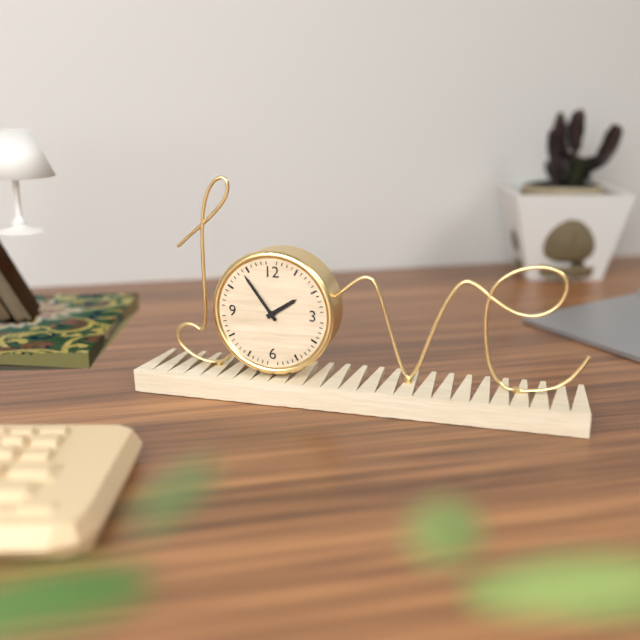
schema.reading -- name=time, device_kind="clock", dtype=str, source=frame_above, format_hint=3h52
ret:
1h54
